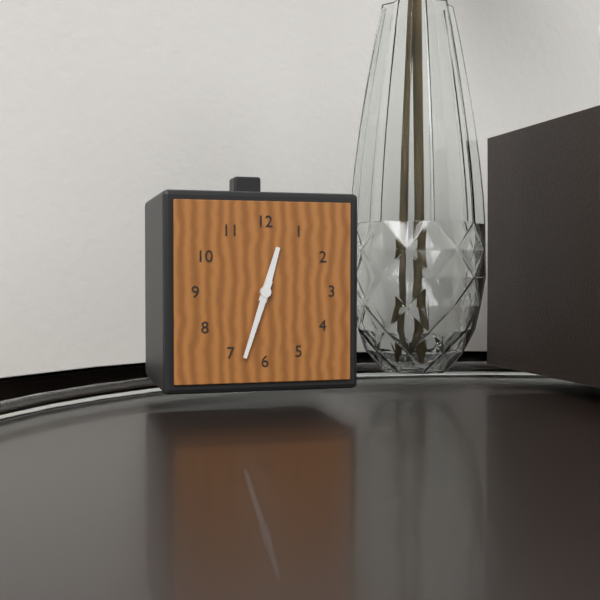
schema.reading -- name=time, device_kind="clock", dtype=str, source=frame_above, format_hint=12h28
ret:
12h33
